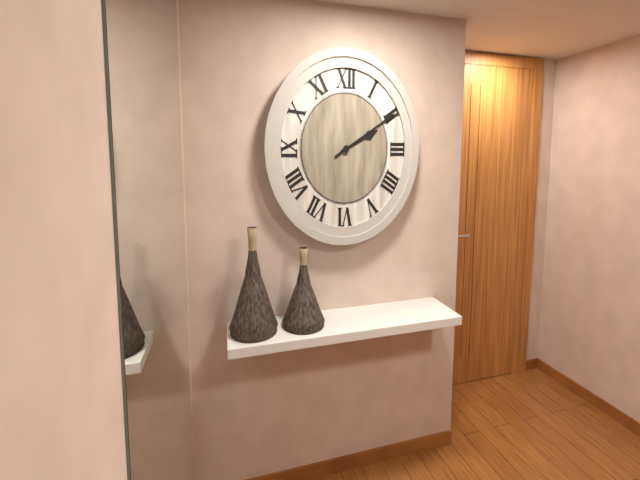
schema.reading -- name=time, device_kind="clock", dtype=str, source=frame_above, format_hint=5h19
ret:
2h10
